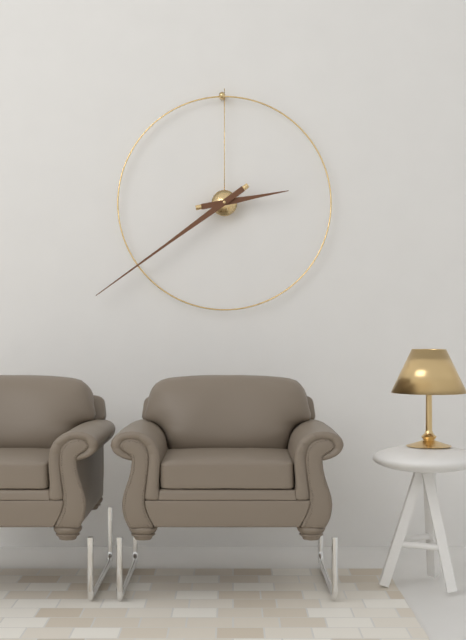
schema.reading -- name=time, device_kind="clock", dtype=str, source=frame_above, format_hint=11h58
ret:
2h39
